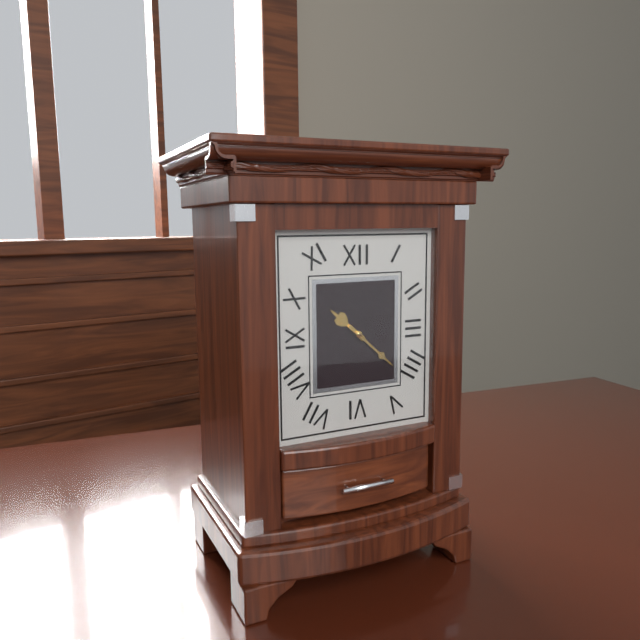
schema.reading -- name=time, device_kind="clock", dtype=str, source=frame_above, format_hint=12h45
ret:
10h22
